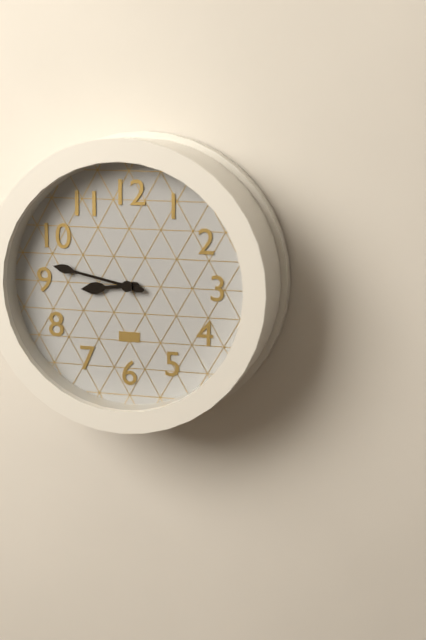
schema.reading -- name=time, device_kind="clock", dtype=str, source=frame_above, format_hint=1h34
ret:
8h47
